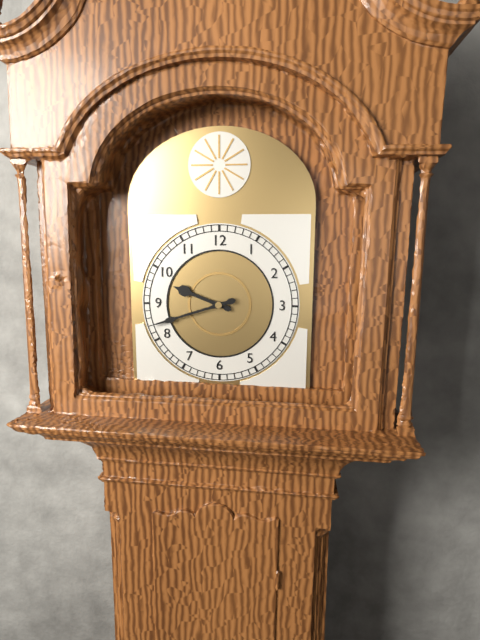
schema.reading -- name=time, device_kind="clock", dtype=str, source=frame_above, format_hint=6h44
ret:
9h42
